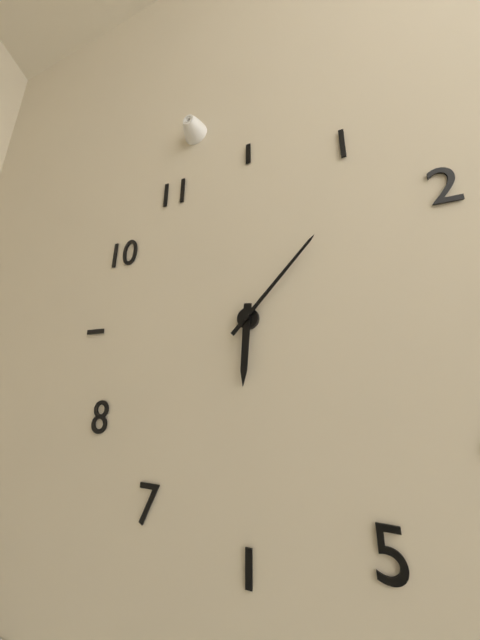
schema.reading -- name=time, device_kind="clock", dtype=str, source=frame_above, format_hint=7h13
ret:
6h07
